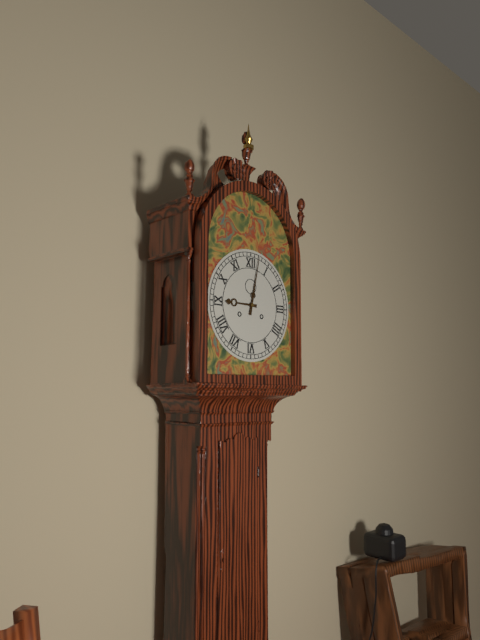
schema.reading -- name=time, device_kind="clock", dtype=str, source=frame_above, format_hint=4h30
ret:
9h02
